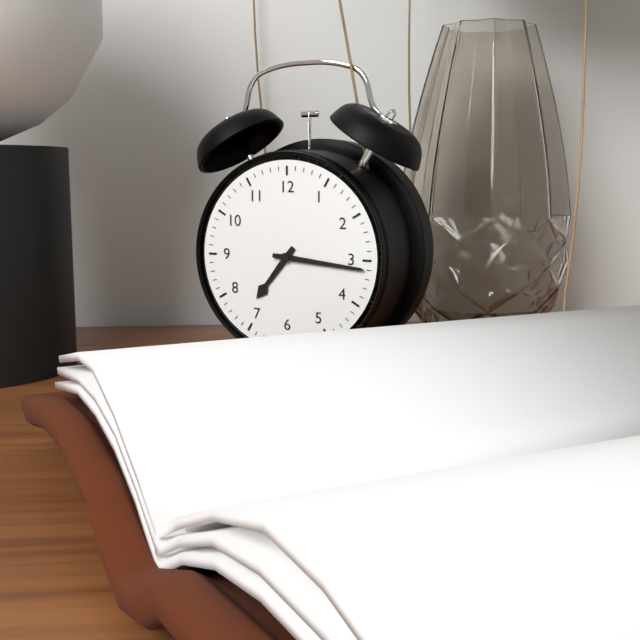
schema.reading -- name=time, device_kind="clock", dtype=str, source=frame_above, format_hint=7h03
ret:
7h16
